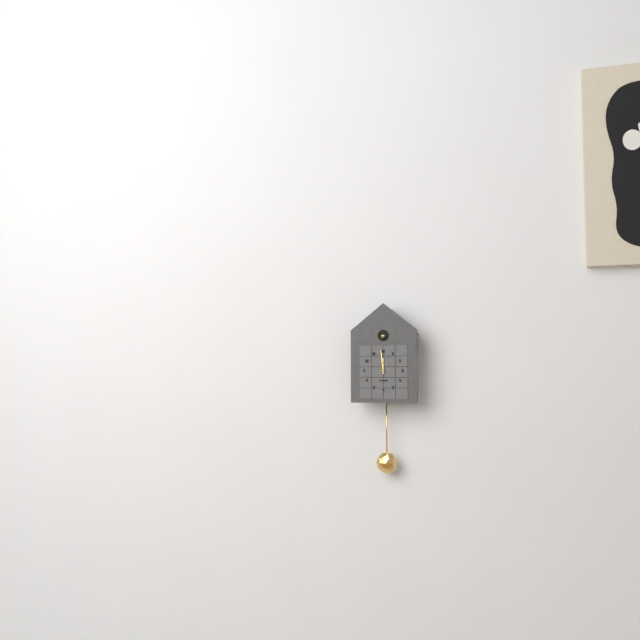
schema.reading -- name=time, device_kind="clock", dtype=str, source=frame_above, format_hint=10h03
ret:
11h59
